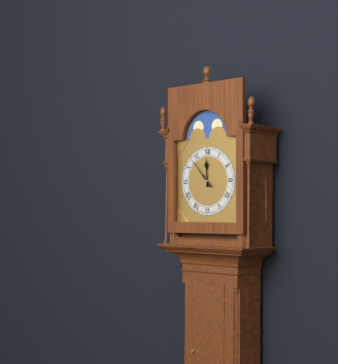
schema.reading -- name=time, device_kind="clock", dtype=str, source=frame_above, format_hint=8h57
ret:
11h53
